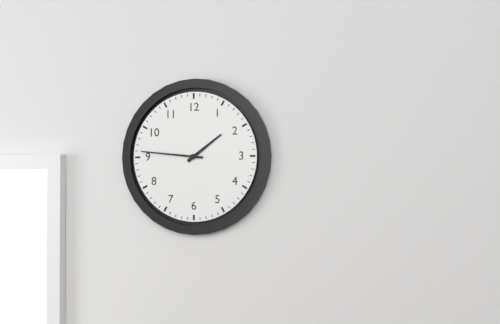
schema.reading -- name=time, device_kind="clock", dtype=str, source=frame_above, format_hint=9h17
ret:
1h46
